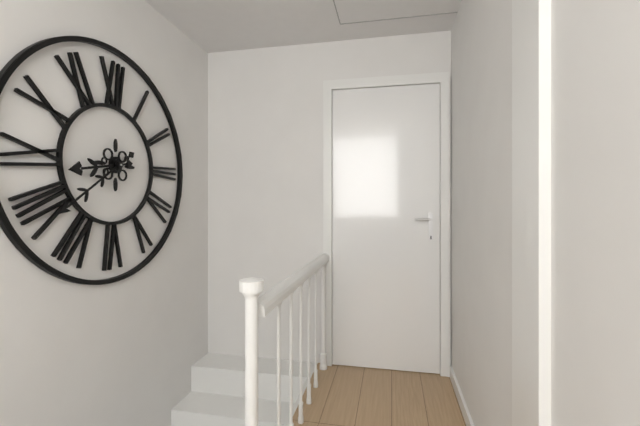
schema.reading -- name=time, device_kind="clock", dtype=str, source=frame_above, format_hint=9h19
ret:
8h39
